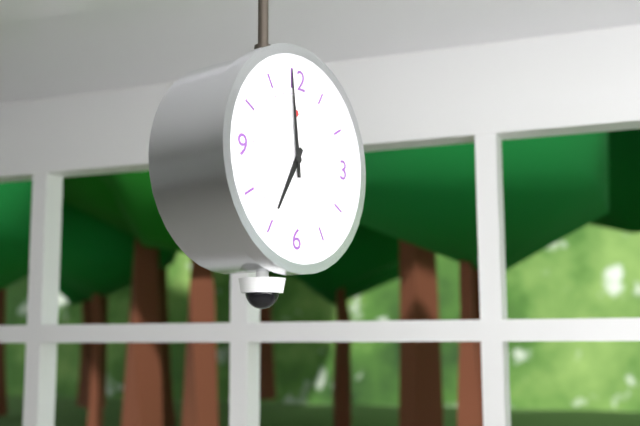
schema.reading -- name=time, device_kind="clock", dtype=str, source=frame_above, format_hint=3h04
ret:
6h59
